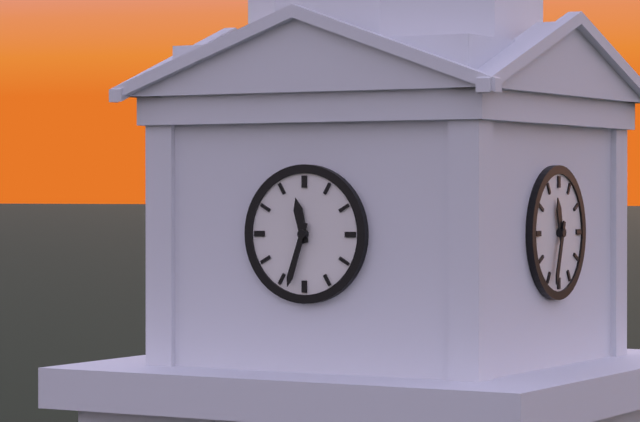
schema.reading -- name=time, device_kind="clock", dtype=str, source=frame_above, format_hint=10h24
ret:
11h33
